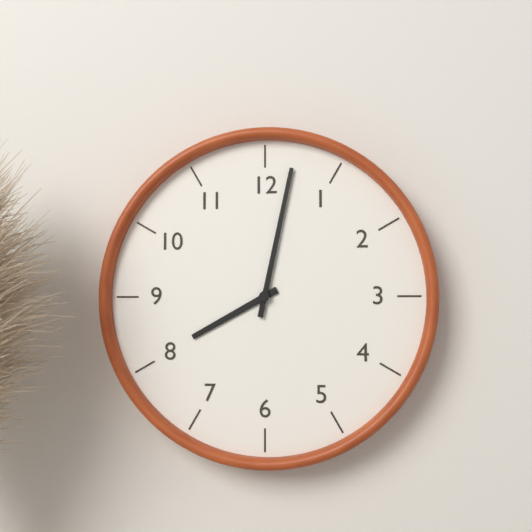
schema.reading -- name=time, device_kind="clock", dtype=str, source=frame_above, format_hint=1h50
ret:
8h02
